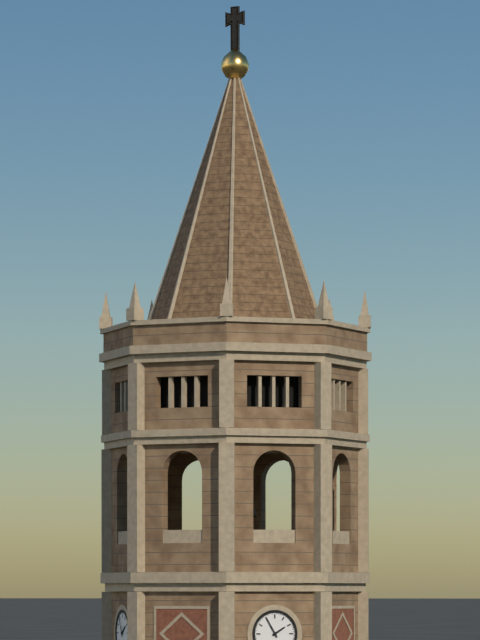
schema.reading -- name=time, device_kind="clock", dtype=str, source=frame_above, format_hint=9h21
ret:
1h55
